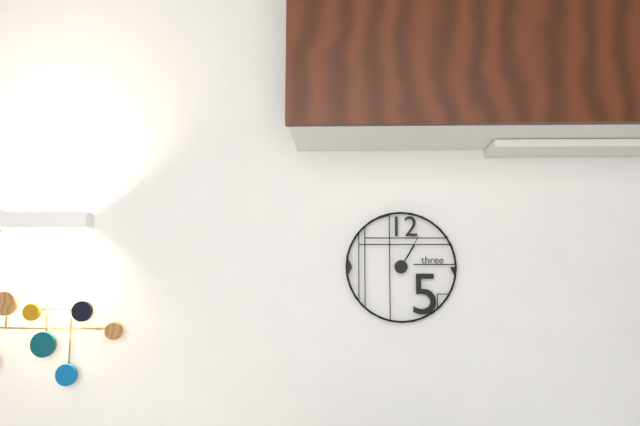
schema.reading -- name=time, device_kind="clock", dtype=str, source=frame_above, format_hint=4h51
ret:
1h05
